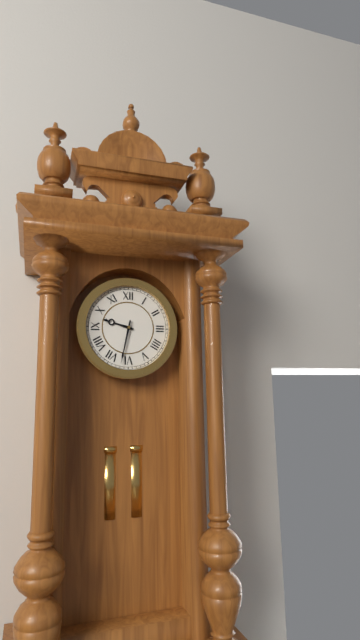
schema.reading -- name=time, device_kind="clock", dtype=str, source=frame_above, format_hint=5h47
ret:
9h32
